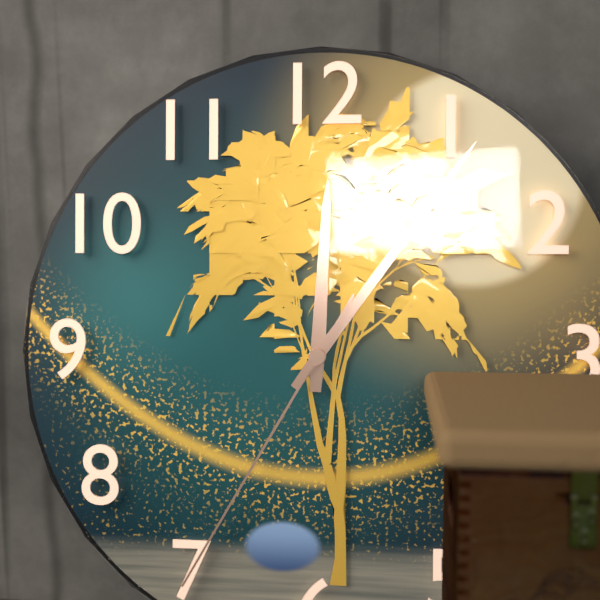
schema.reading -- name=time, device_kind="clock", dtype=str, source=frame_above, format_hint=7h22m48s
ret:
12h06m35s
